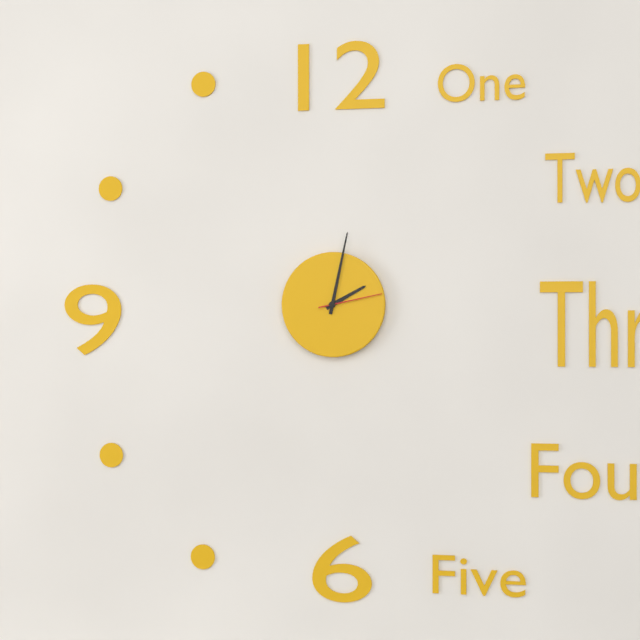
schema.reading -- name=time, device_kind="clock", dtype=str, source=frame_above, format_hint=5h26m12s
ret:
2h02m13s
